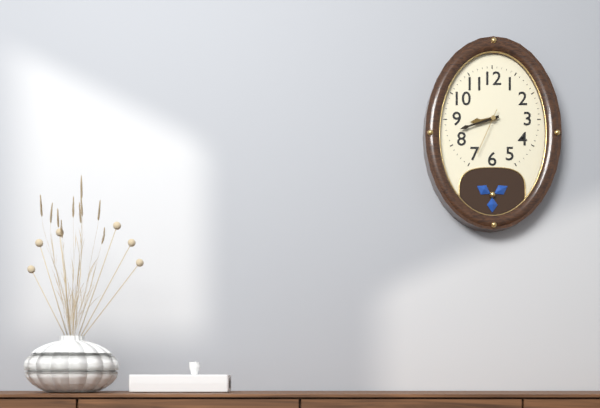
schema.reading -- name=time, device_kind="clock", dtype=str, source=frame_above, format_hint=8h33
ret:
8h42
